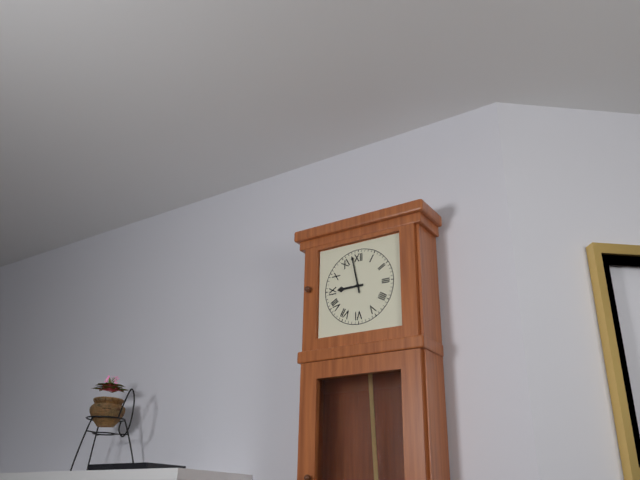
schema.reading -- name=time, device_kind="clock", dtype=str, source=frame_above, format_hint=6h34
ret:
8h58
